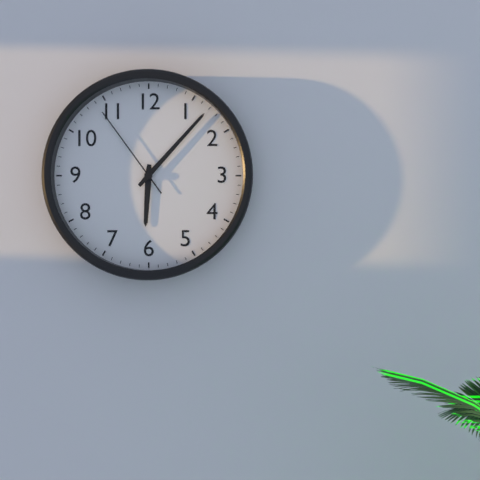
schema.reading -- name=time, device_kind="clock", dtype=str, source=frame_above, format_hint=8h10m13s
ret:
6h07m54s
